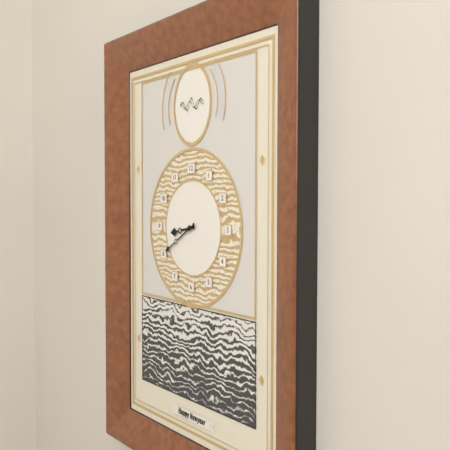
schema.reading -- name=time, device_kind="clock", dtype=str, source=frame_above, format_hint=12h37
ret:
8h40
